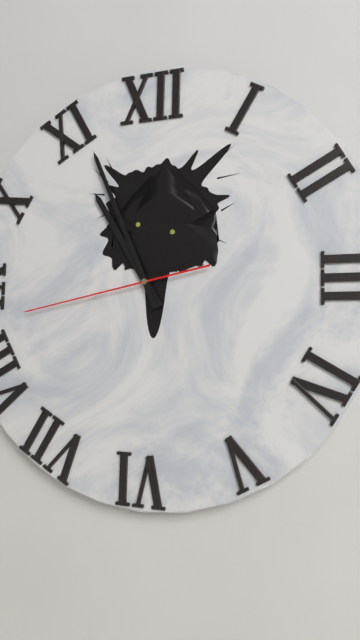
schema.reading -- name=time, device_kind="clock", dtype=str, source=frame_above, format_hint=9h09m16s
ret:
10h56m43s
